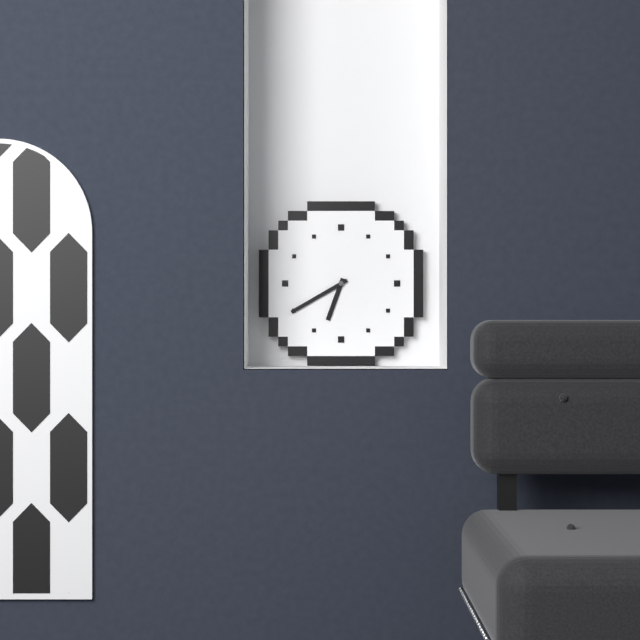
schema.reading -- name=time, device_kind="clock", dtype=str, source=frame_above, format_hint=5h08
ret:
6h40
